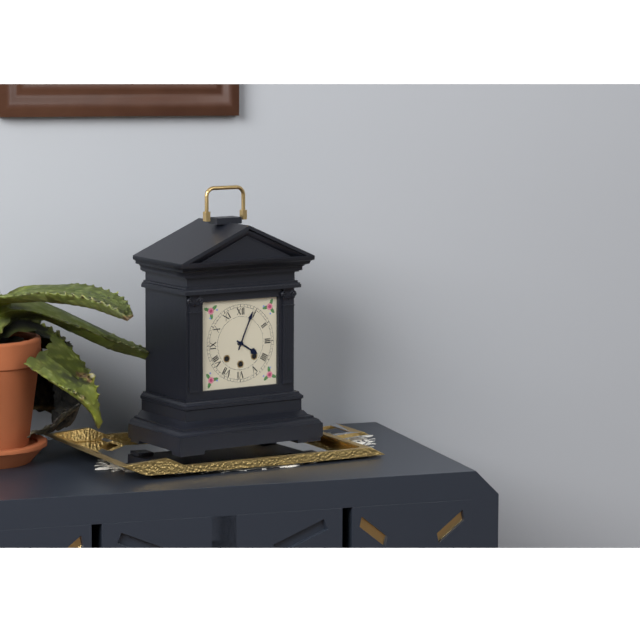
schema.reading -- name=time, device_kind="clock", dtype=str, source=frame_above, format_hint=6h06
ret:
4h04
